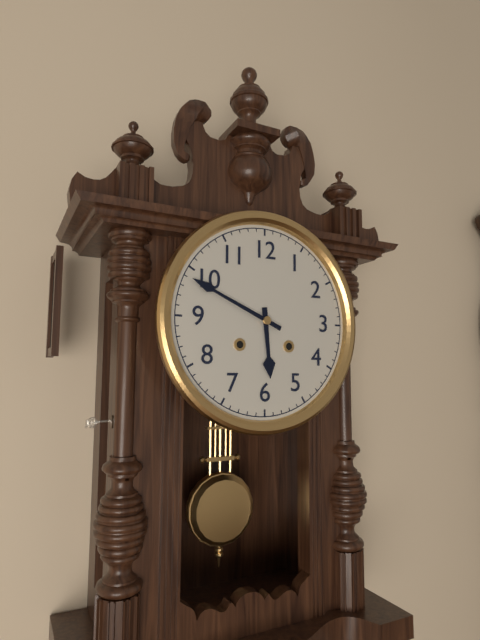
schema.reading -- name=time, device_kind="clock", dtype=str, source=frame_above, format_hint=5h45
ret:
5h49
